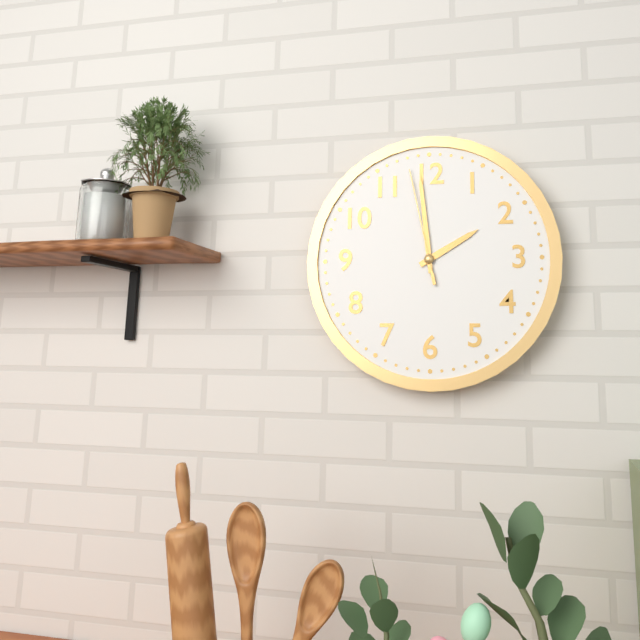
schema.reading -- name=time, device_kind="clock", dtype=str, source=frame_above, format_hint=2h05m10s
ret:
1h59m58s
